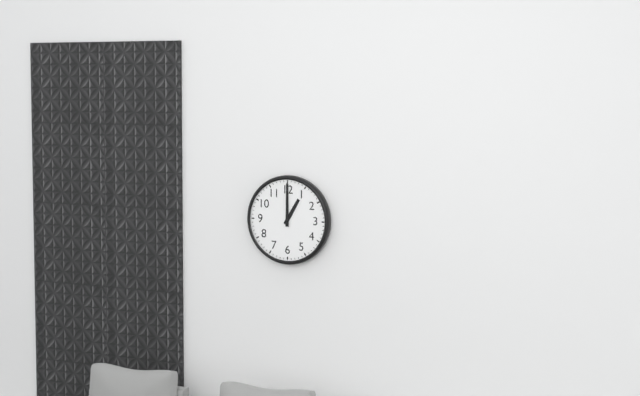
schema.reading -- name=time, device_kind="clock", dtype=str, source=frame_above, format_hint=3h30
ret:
1h00
